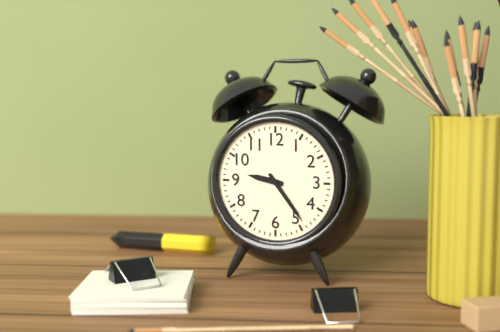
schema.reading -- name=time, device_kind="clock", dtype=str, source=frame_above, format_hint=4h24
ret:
9h24
